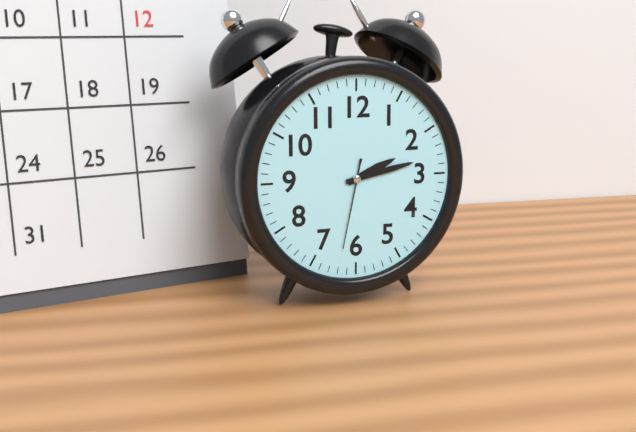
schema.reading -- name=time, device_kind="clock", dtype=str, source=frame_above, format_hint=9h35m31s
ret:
2h13m32s
